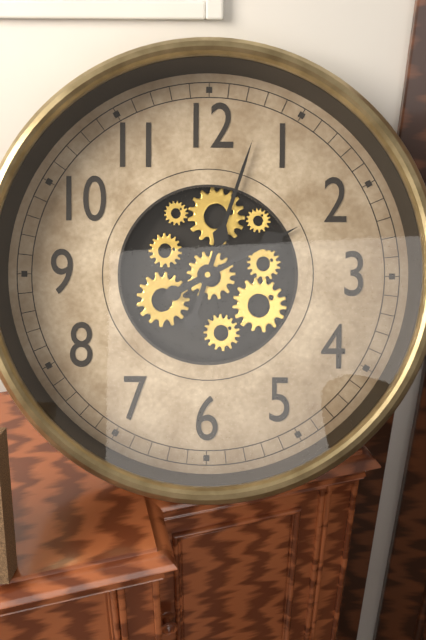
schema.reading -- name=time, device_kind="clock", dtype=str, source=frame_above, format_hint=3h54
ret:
2h03
